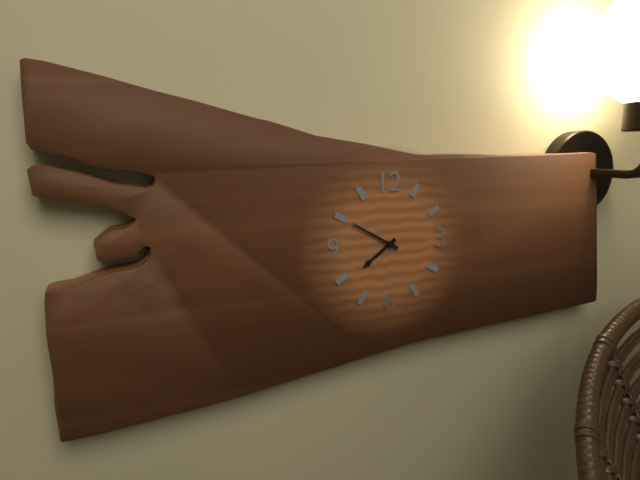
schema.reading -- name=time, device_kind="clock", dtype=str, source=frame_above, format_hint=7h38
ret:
7h50
